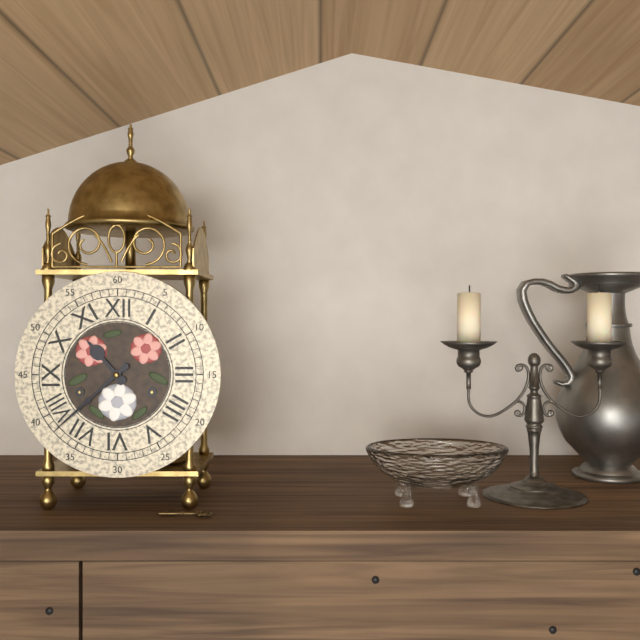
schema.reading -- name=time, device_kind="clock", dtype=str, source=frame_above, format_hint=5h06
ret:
10h38
